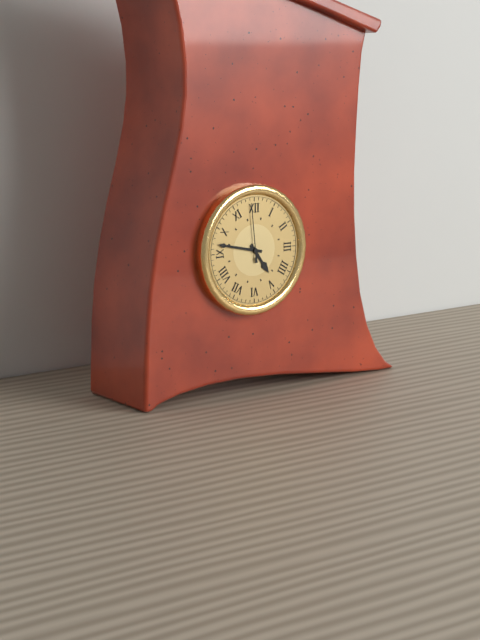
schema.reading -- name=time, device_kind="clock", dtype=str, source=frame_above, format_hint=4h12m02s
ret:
4h47m59s
